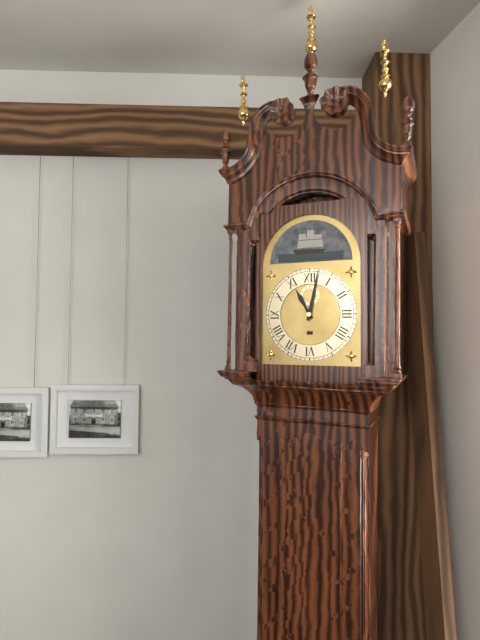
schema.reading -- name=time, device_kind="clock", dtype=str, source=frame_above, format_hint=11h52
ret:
11h02
